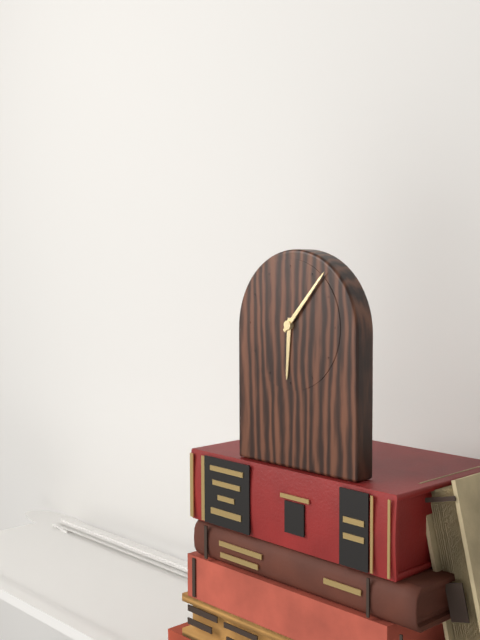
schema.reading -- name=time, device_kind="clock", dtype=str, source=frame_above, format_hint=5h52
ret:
6h07
